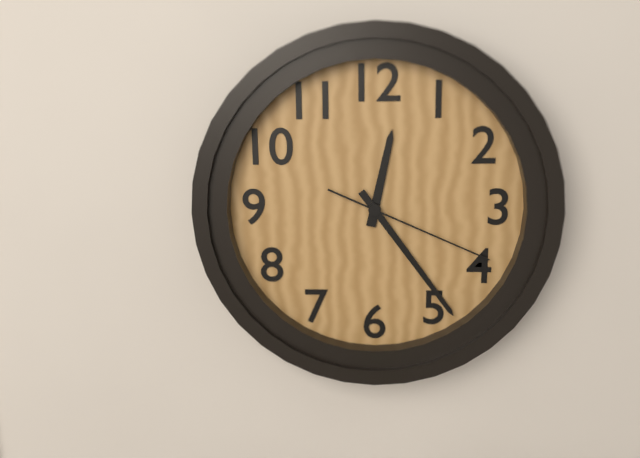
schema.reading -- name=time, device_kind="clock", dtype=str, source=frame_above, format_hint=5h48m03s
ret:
12h24m19s
